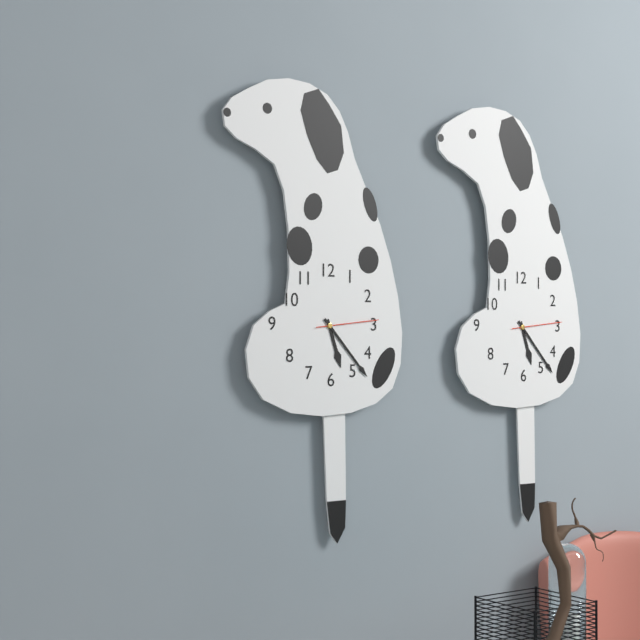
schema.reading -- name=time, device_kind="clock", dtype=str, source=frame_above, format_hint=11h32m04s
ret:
5h23m14s
